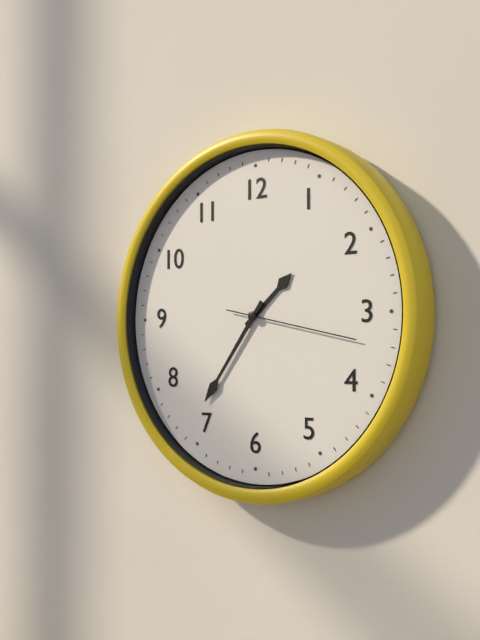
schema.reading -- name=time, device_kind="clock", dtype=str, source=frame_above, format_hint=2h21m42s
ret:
1h36m17s
